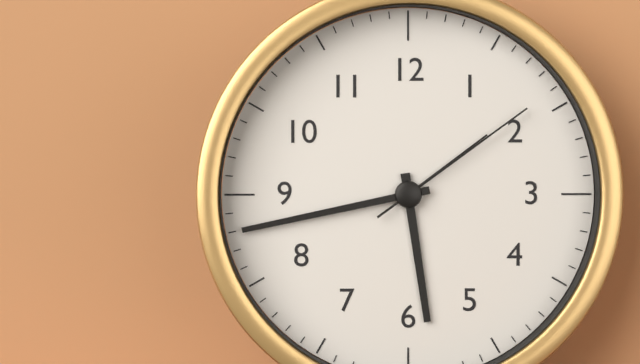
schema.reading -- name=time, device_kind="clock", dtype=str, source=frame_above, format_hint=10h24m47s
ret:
5h43m09s
